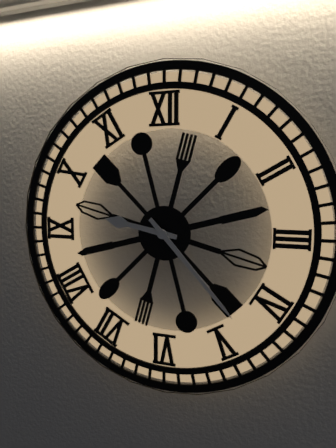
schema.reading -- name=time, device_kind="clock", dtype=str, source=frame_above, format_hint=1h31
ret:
9h23
